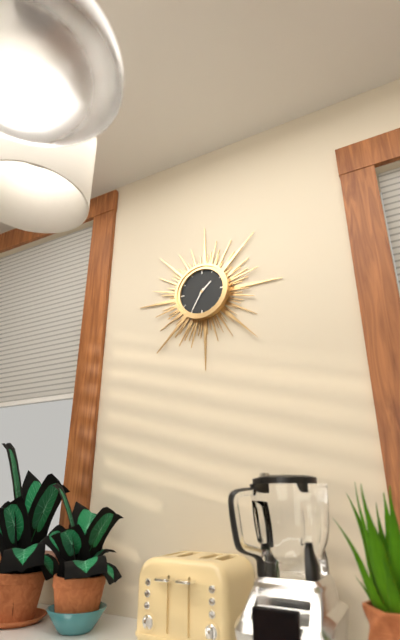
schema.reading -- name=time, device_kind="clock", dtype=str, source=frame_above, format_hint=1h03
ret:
1h35
